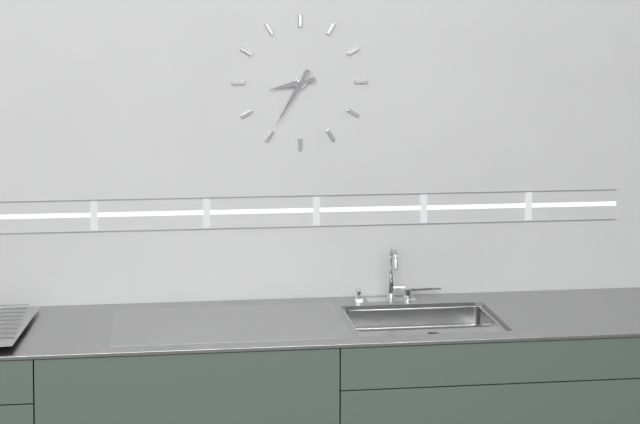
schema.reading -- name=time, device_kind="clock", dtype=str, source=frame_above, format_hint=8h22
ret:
8h35
